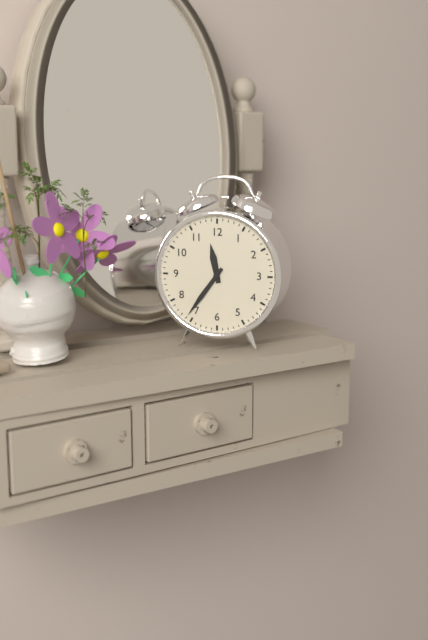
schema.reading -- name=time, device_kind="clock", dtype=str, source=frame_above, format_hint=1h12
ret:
11h36
